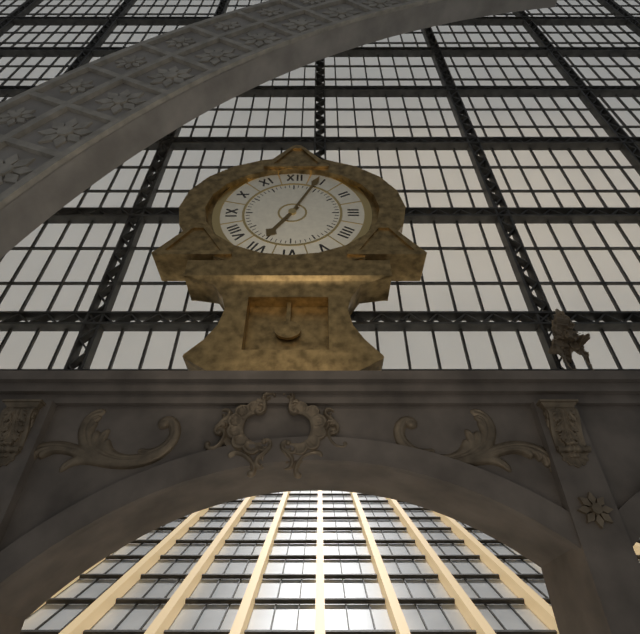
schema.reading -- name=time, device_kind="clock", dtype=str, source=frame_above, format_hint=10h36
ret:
7h04
